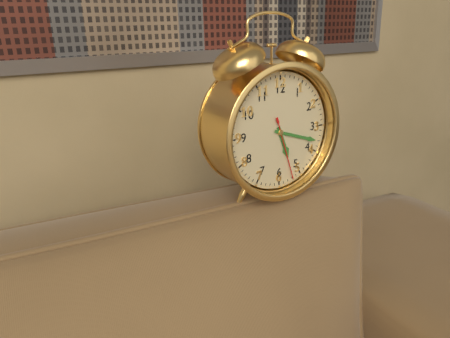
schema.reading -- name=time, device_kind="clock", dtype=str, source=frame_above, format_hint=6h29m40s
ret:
5h18m27s
